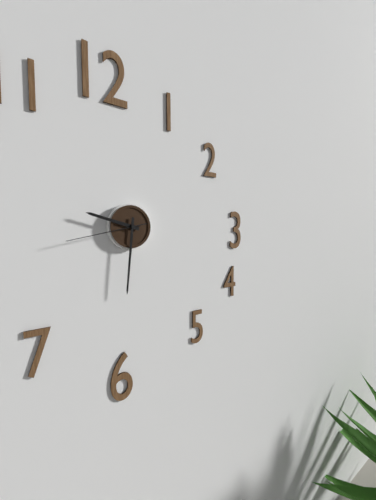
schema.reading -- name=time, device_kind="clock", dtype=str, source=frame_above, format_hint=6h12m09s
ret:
9h31m43s
